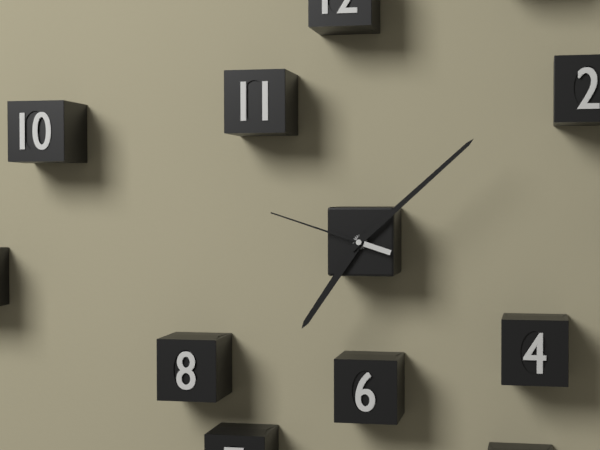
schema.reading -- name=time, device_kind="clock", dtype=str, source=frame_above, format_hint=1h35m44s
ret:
7h08m48s
